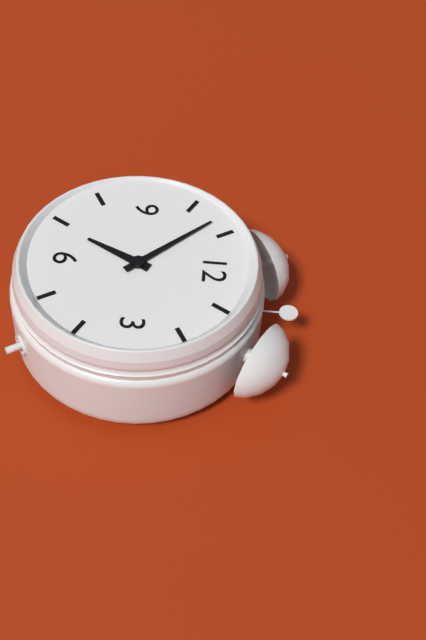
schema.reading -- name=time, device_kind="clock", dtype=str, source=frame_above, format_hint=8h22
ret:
6h53
